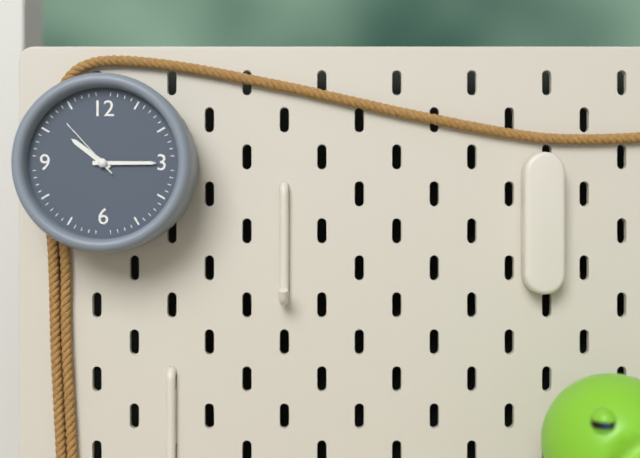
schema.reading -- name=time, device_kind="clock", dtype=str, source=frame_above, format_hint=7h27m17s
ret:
10h15m53s
